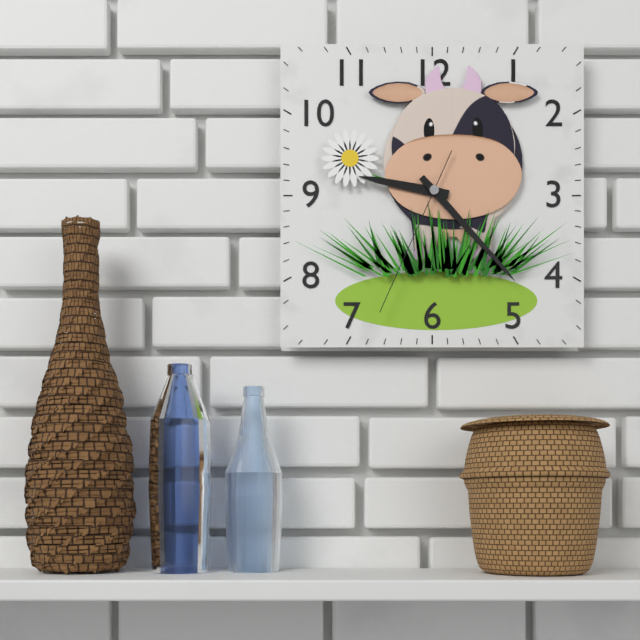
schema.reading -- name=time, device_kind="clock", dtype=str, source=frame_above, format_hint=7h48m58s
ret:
9h23m34s
